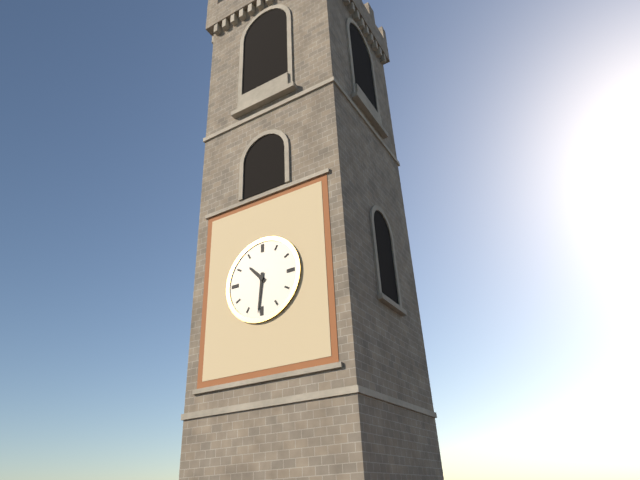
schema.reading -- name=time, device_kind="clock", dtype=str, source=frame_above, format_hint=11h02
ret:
10h31
